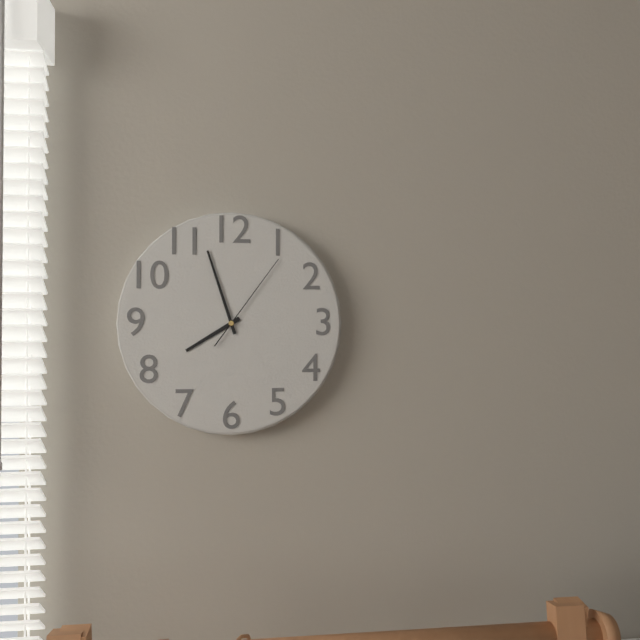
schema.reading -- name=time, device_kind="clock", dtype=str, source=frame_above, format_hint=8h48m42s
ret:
7h57m06s
